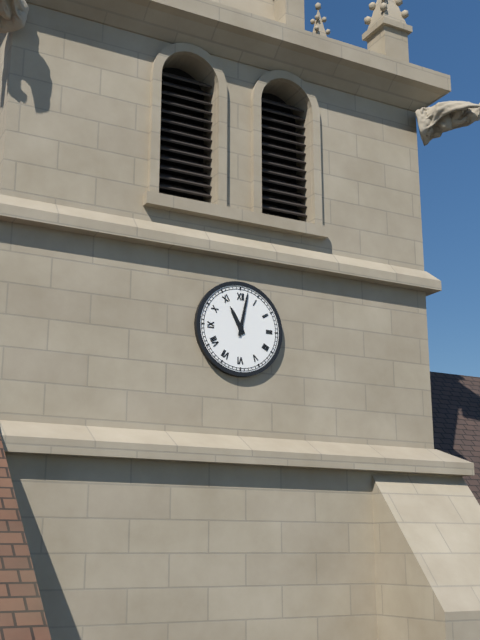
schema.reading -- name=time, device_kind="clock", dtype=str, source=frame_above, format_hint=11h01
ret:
11h02
